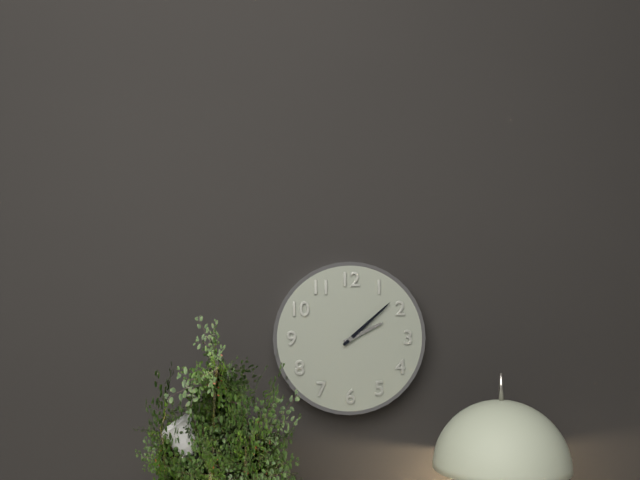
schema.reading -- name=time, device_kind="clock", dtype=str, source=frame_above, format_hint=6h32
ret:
2h08
